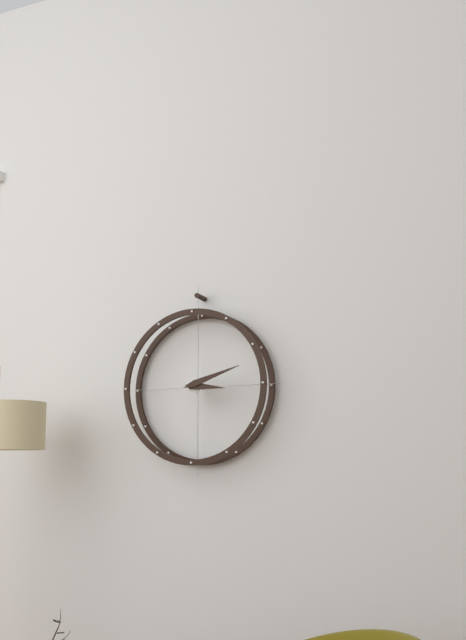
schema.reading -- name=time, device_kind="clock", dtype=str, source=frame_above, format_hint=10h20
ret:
3h12
